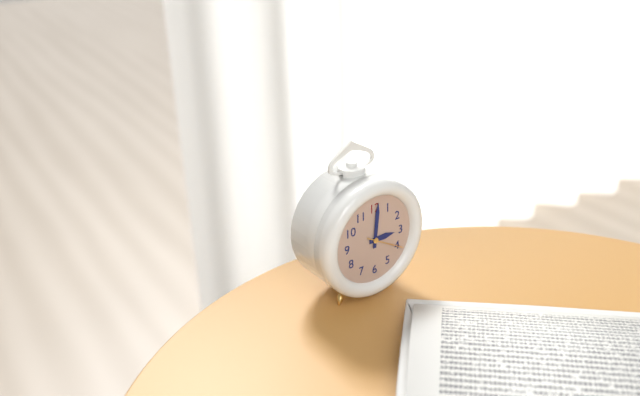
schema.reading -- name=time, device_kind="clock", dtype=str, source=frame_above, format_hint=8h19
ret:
3h01
